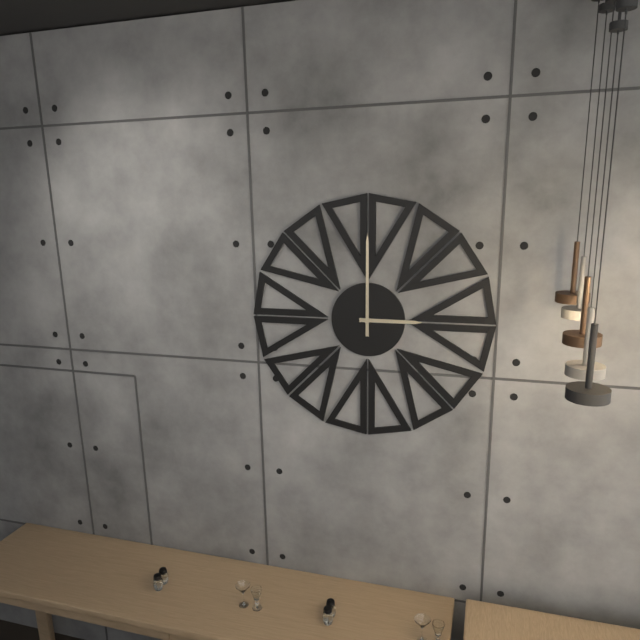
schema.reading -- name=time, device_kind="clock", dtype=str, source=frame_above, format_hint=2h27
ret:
3h00
